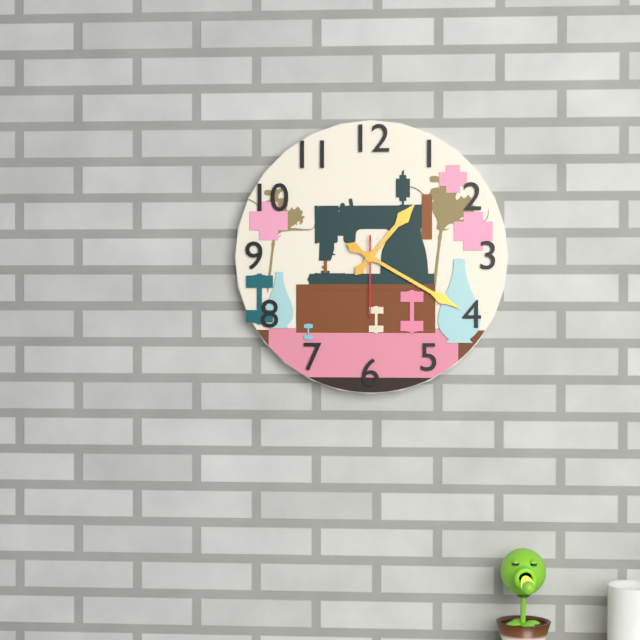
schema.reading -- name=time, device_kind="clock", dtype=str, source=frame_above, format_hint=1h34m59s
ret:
1h20m30s
